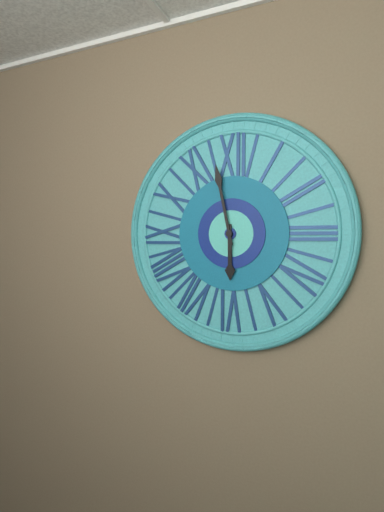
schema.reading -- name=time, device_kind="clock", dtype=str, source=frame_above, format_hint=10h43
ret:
5h58
